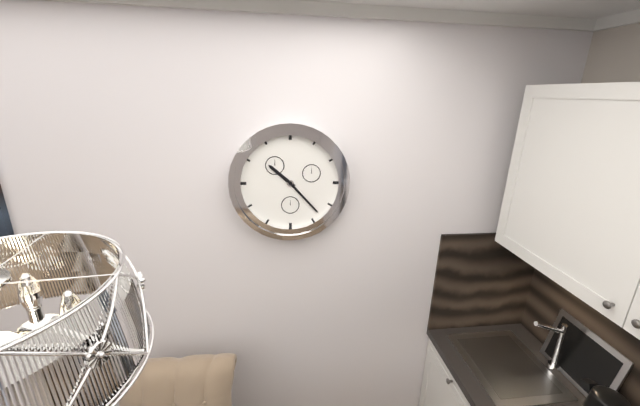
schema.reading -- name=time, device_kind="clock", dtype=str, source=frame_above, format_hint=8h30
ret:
10h23
